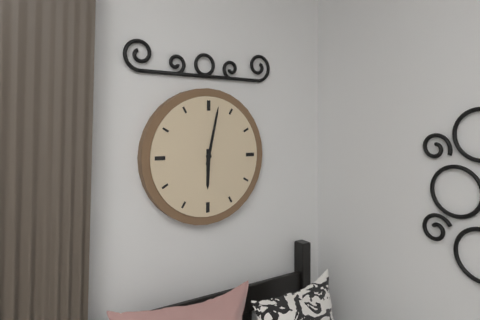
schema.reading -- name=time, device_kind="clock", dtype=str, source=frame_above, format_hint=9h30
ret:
6h02
